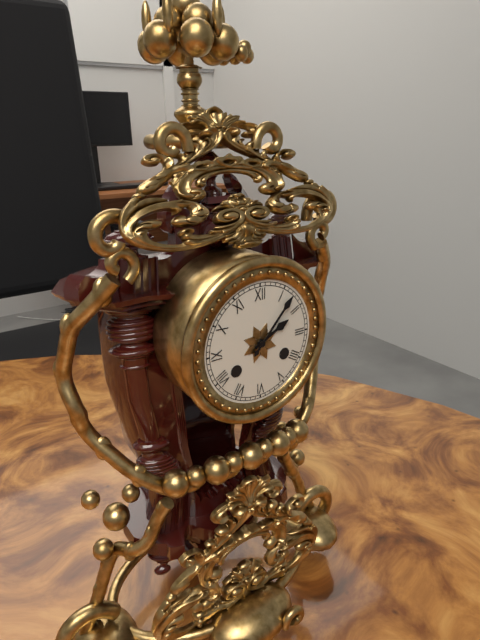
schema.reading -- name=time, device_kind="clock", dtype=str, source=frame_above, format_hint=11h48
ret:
2h07
